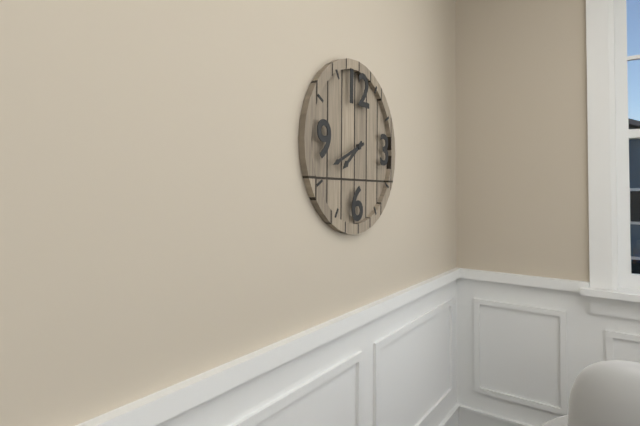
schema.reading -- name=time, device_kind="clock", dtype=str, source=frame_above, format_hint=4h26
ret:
7h41
